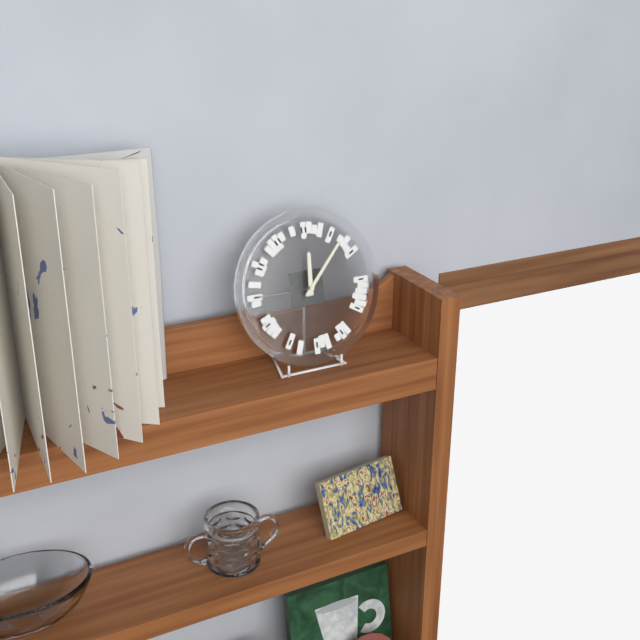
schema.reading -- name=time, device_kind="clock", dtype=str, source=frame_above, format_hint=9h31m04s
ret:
12h07m45s
